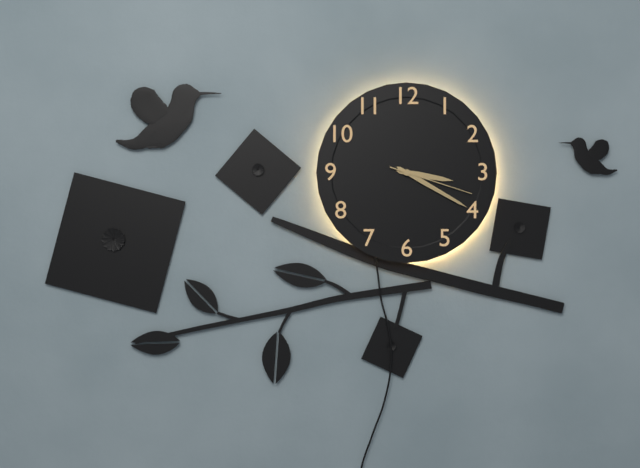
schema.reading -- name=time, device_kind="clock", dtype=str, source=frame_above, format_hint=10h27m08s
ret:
3h20m18s
